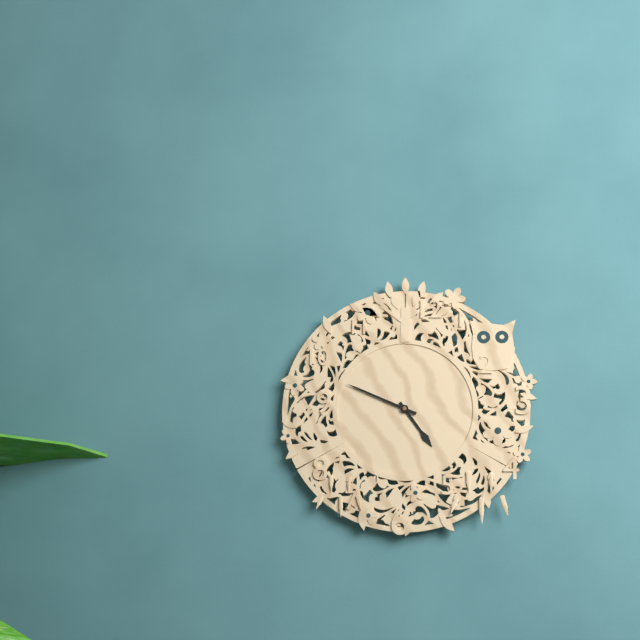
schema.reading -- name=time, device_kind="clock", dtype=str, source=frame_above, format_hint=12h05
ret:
4h49
